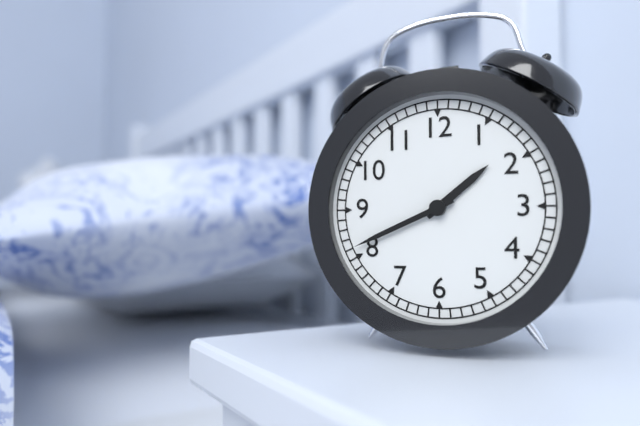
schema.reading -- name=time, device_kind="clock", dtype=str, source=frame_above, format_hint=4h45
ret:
1h41
